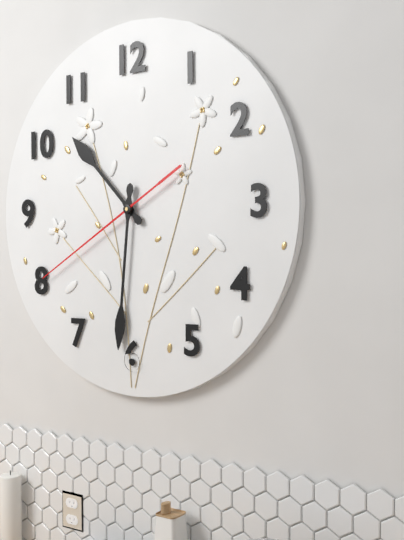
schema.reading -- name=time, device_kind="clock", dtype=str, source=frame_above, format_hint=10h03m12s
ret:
10h31m40s
